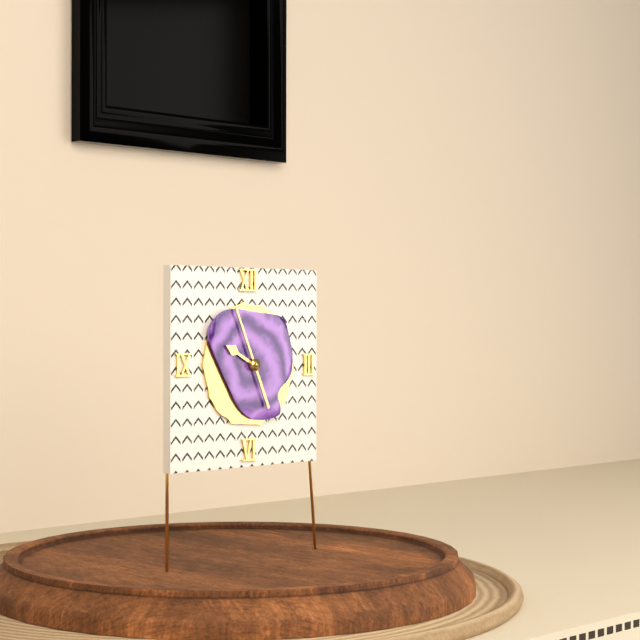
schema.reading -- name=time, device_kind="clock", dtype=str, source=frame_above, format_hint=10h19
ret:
9h56
